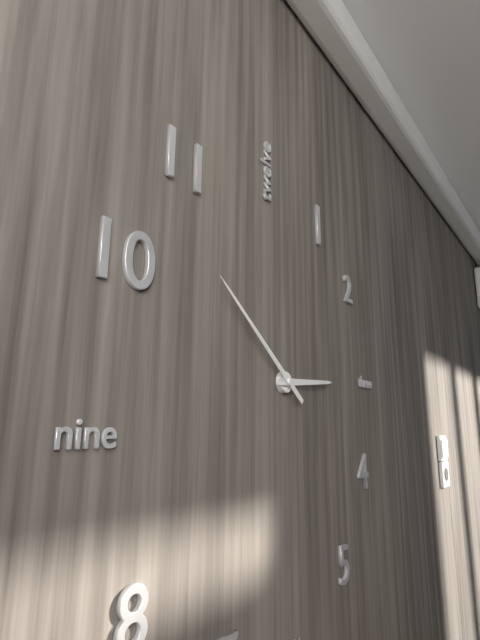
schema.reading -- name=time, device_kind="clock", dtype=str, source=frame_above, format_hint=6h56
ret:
2h51
